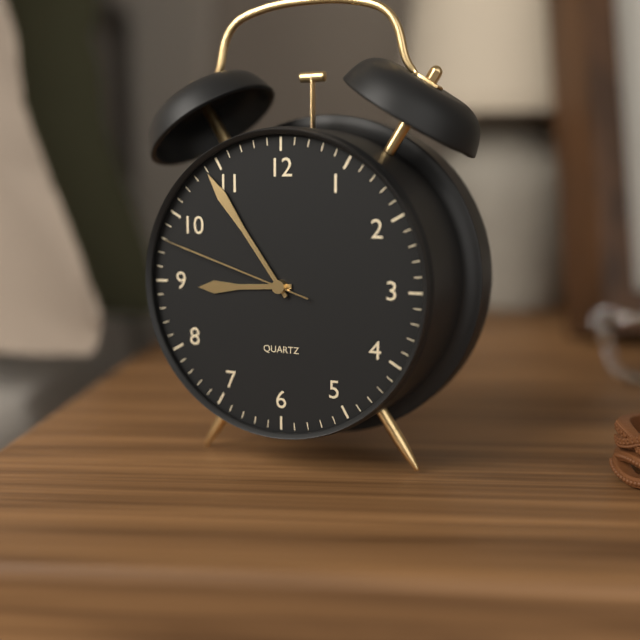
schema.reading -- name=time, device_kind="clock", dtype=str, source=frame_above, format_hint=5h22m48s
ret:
8h54m48s
